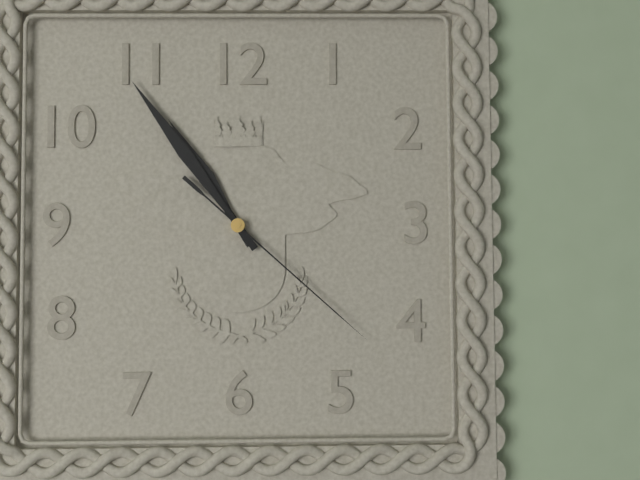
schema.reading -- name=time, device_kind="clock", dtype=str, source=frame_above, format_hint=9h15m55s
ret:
10h54m22s
